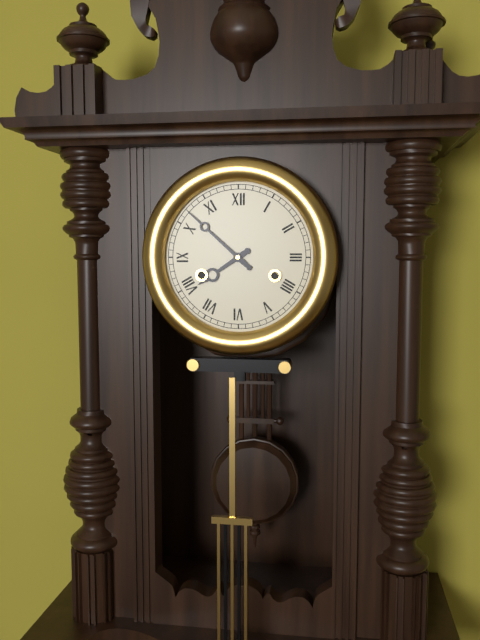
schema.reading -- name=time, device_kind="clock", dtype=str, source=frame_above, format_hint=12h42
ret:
7h52
